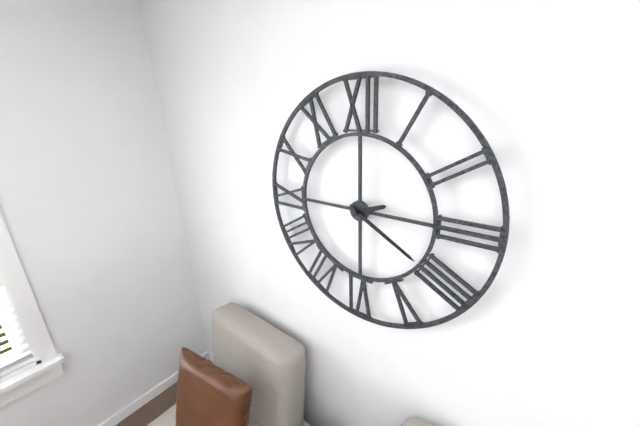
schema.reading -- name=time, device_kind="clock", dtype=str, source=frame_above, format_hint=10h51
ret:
2h20
